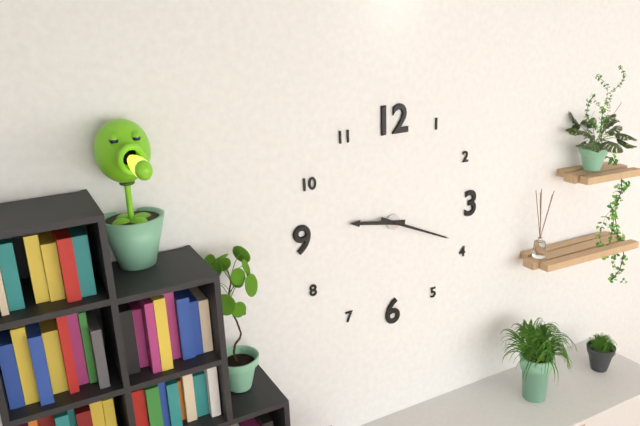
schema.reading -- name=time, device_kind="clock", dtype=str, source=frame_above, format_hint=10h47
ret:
9h19
